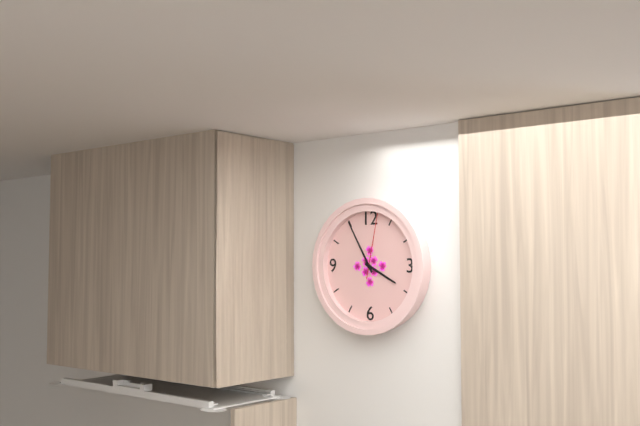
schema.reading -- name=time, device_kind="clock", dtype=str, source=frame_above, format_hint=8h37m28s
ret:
3h55m02s
